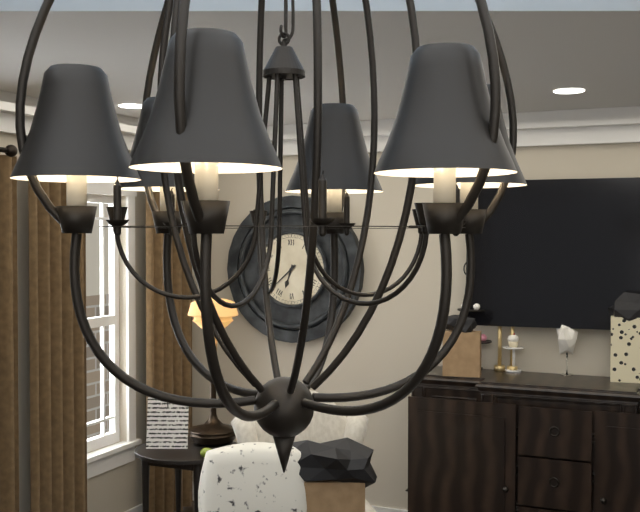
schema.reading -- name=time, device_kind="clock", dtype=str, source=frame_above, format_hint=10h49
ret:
6h38
